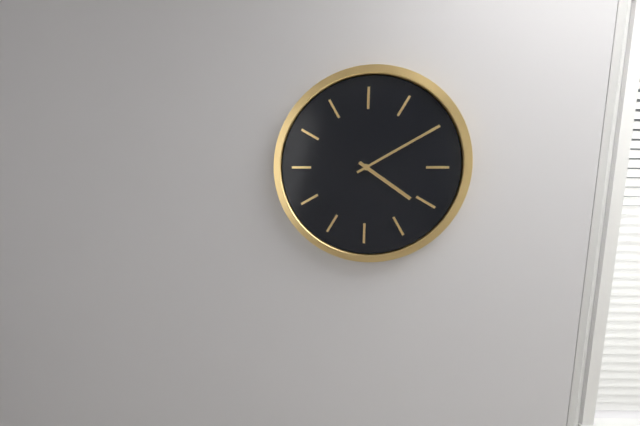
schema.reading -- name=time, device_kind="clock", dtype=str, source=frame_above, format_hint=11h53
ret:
4h10
